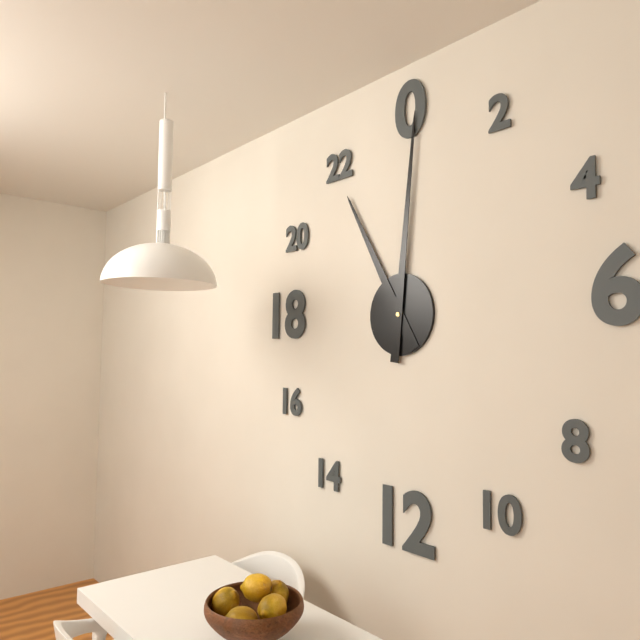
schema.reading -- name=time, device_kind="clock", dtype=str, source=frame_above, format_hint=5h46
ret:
11h01
